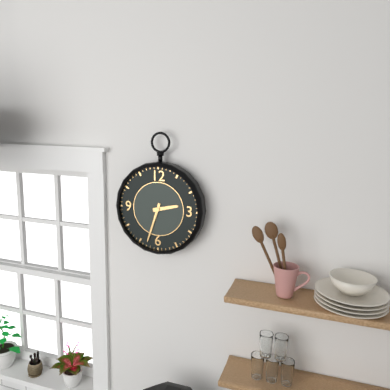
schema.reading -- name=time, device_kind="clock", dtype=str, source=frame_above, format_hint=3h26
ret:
2h33
